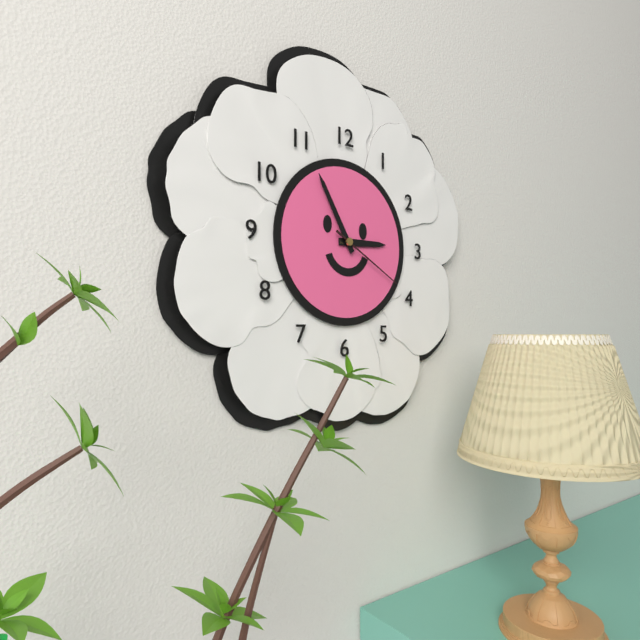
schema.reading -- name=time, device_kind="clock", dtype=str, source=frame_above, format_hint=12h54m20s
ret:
2h55m20s
